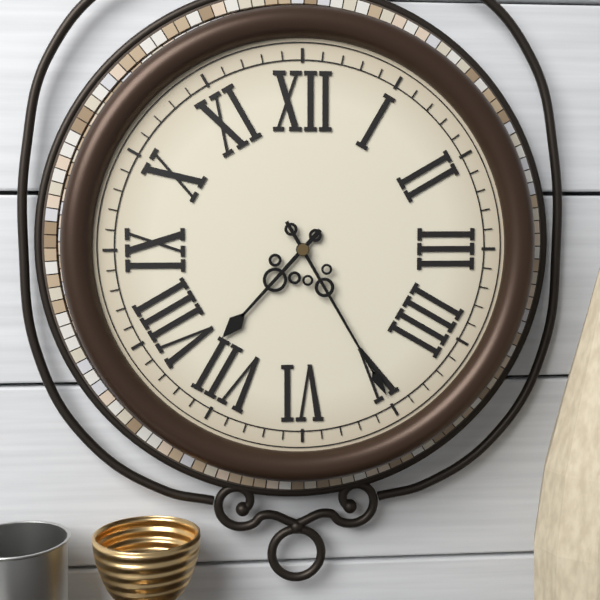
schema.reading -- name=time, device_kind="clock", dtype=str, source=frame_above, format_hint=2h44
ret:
7h25
